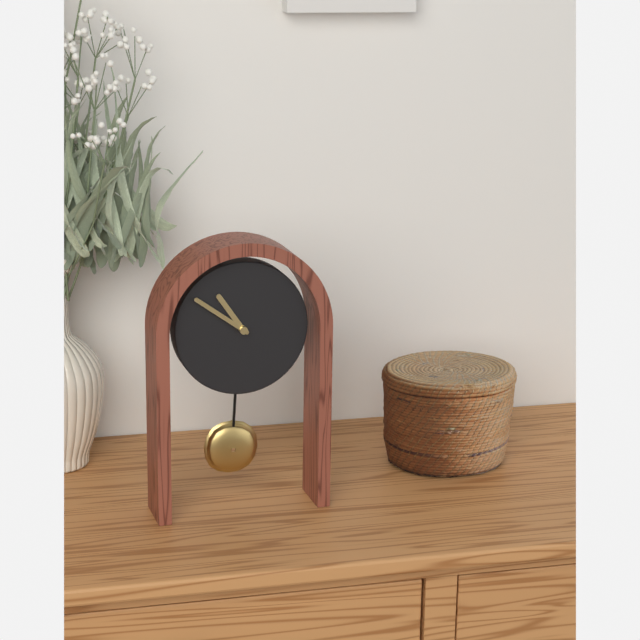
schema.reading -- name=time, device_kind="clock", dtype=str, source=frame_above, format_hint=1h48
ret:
10h51
